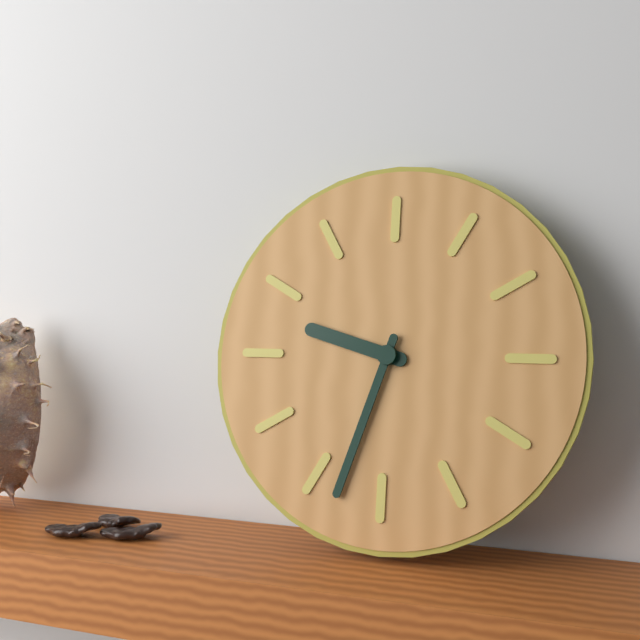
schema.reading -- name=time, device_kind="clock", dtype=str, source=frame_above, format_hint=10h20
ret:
9h33
